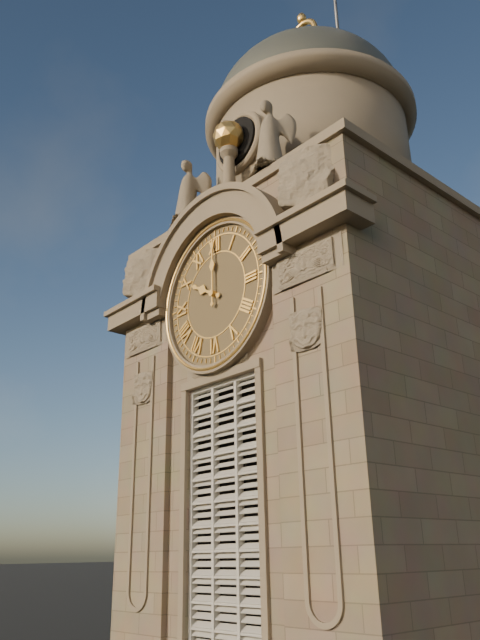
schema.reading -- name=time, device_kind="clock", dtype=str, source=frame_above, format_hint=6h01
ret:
10h00
